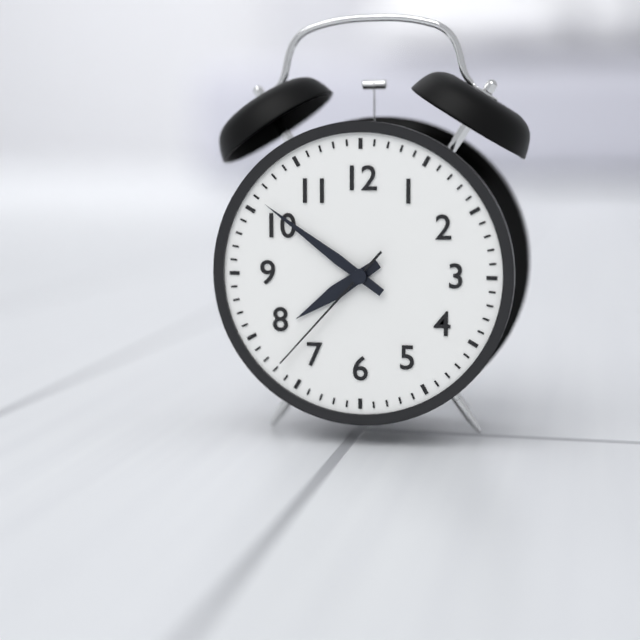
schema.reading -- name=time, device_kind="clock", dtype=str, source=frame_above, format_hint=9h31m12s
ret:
7h51m37s
